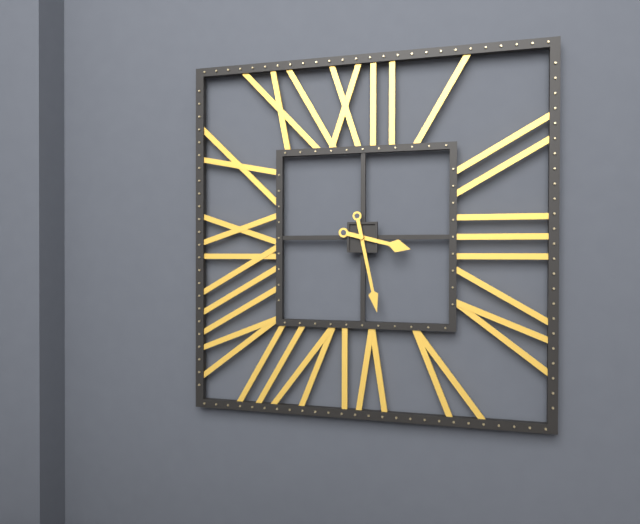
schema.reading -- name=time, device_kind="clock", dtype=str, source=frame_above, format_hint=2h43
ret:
3h28
